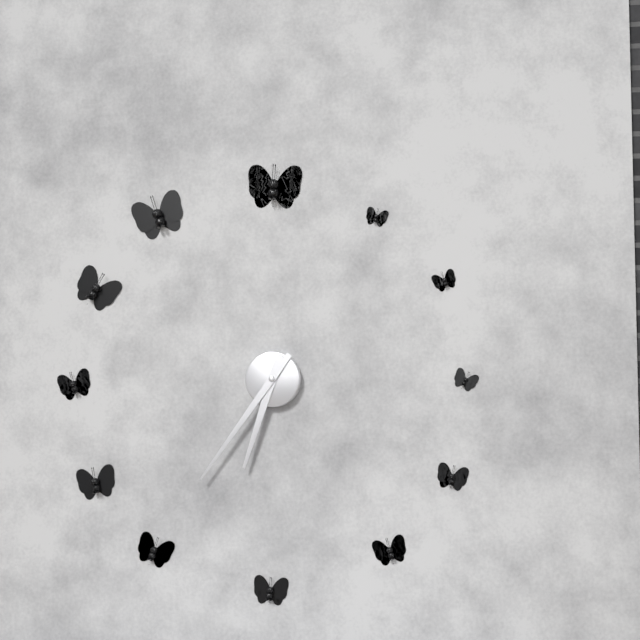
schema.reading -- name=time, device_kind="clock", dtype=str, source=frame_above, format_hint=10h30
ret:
6h36
